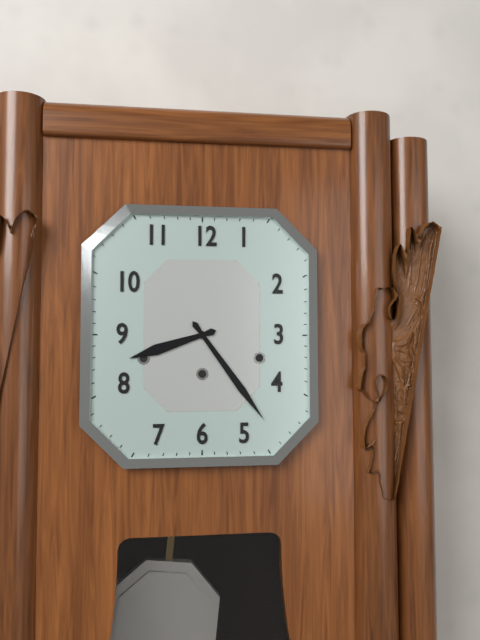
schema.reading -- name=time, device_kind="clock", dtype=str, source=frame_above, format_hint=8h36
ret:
8h24
